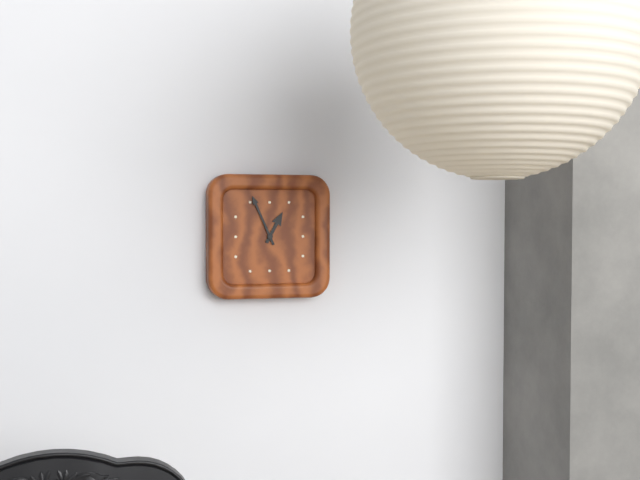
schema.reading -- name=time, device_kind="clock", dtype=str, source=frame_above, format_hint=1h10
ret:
12h56
